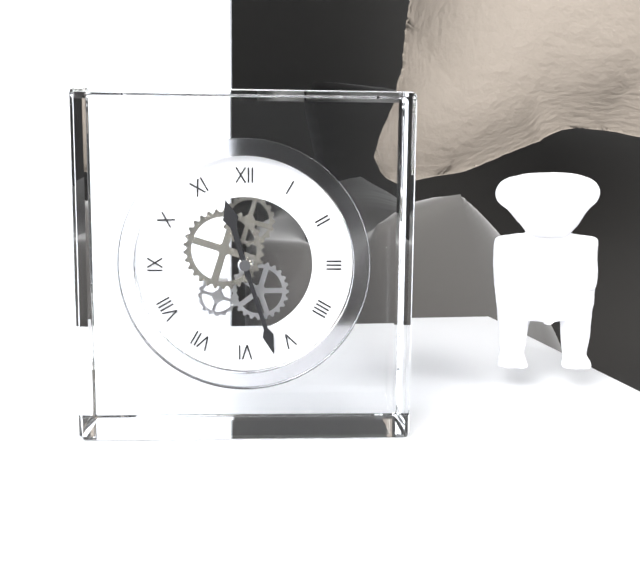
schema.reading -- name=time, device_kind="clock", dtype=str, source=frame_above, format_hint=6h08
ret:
11h27
